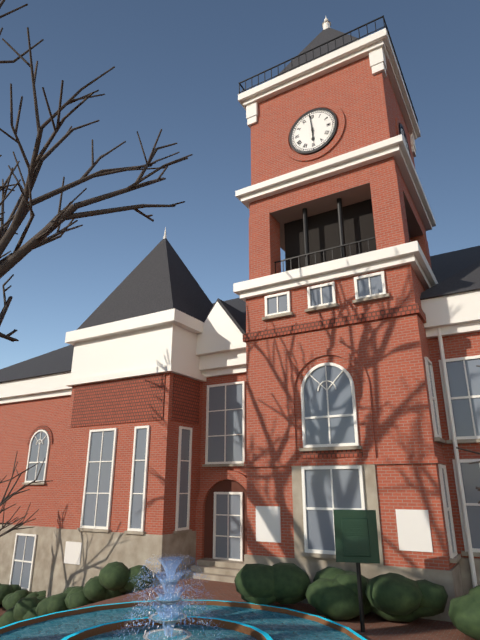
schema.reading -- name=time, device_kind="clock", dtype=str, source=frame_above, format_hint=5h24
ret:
5h59
